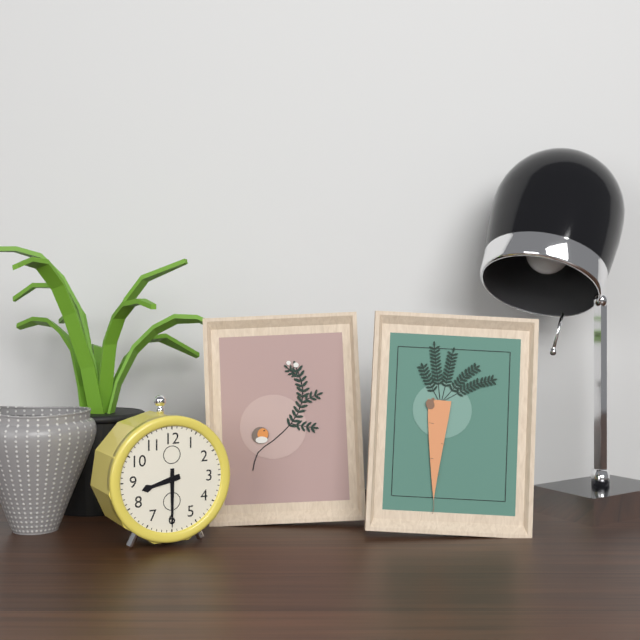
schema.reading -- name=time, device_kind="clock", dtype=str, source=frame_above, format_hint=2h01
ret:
8h30
